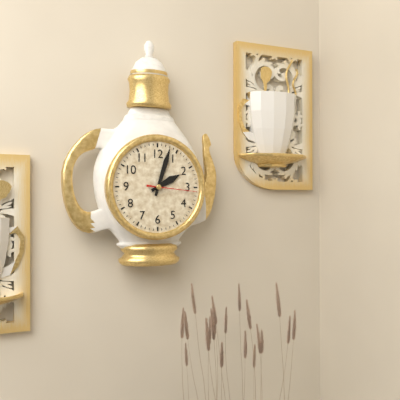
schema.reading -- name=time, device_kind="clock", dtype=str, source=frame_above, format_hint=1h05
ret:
2h03
